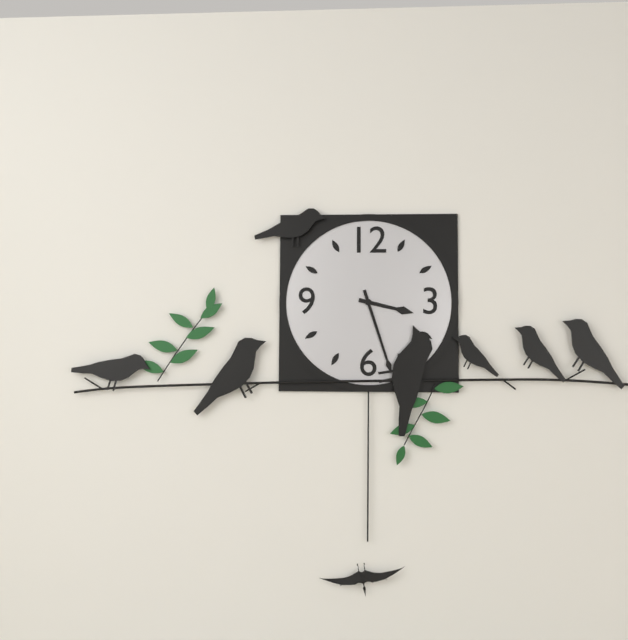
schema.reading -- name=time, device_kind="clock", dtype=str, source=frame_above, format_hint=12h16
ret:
3h27
